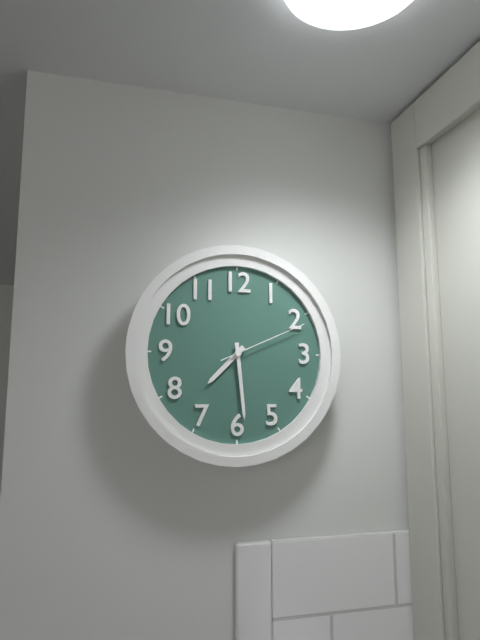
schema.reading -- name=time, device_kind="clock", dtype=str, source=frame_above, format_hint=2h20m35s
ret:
7h29m11s
